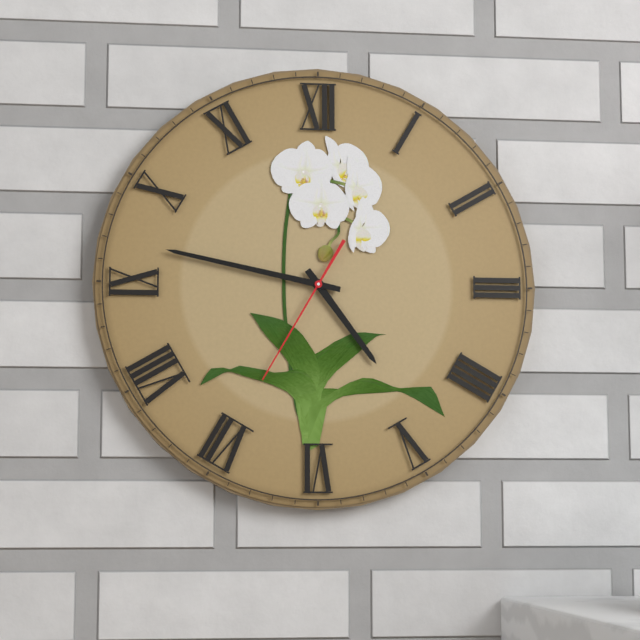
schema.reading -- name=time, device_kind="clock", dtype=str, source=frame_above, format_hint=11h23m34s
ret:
4h47m35s
